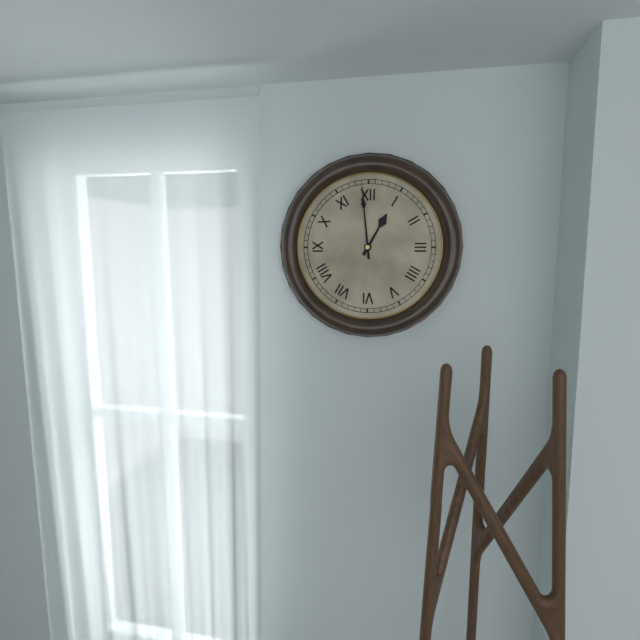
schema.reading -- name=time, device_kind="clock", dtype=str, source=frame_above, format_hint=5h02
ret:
12h59
